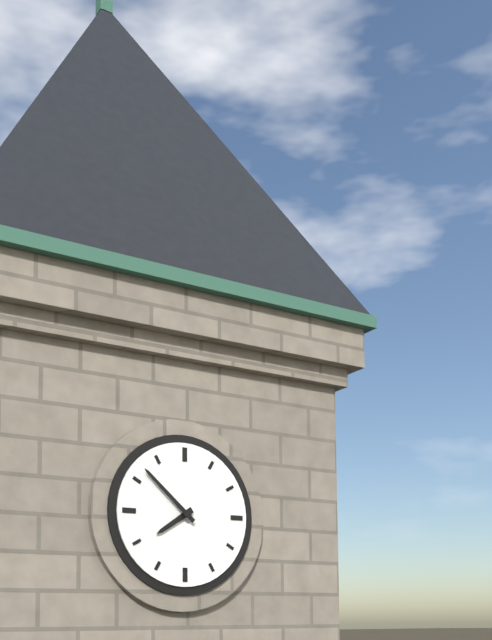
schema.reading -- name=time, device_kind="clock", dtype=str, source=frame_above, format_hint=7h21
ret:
7h52
